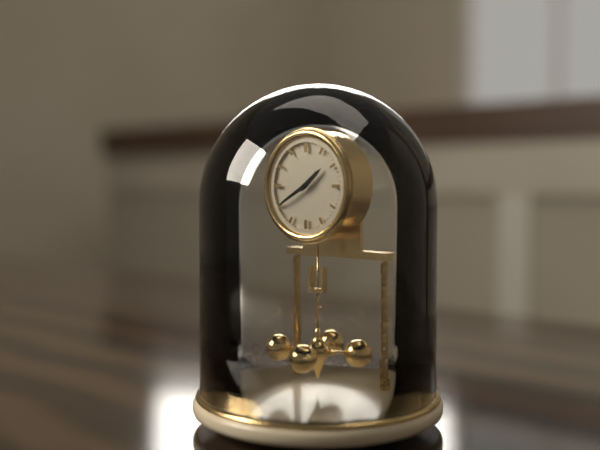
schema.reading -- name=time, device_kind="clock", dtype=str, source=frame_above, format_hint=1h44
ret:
1h40
